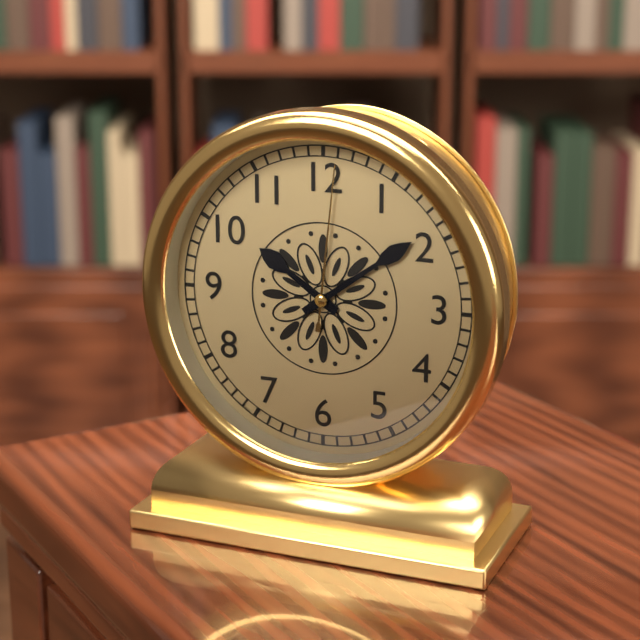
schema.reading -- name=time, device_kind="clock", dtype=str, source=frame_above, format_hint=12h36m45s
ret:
10h09m01s
